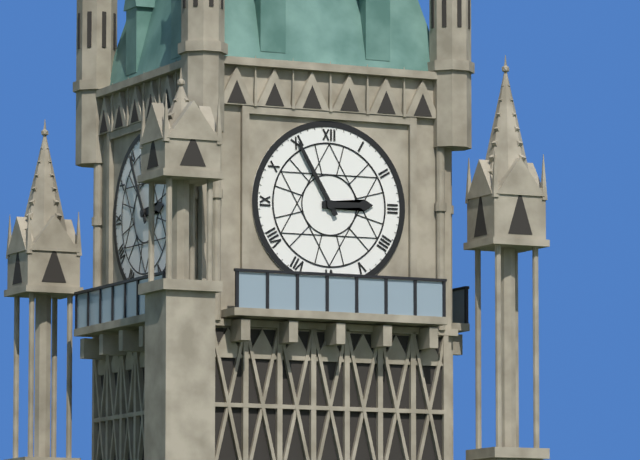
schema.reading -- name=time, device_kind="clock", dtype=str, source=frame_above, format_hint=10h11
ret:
2h55
